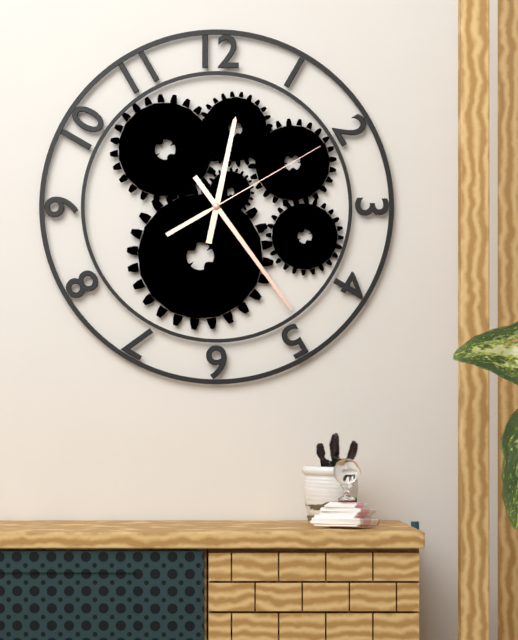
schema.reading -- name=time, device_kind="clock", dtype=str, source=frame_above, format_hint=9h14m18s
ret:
12h24m10s
